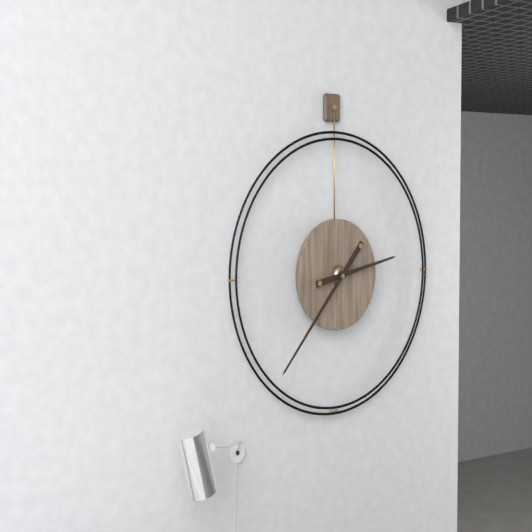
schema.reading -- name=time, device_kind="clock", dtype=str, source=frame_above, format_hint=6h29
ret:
2h37
